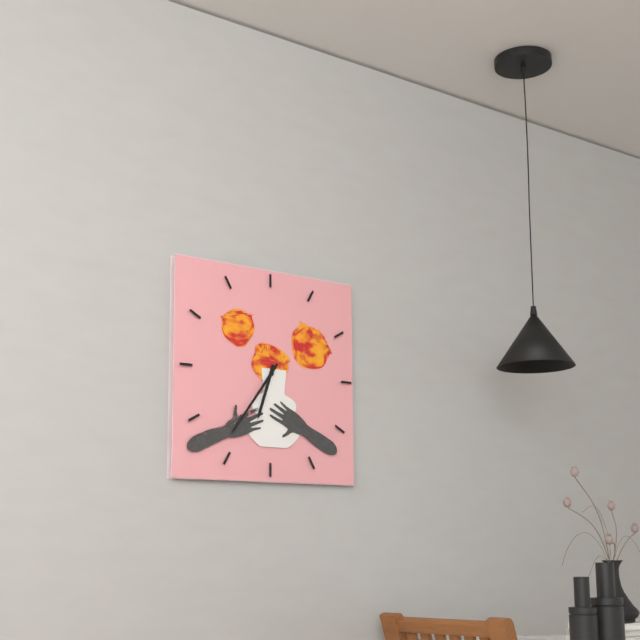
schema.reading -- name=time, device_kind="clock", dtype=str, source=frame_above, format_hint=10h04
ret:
6h36
